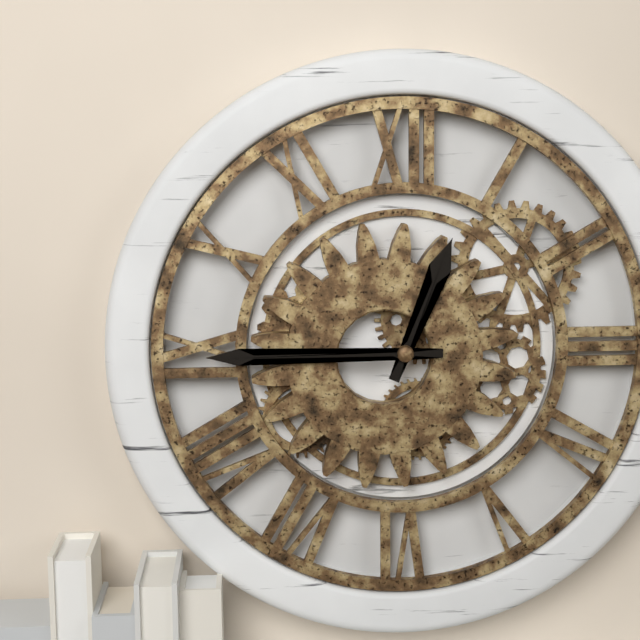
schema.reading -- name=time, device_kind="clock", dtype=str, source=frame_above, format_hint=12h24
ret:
12h45
